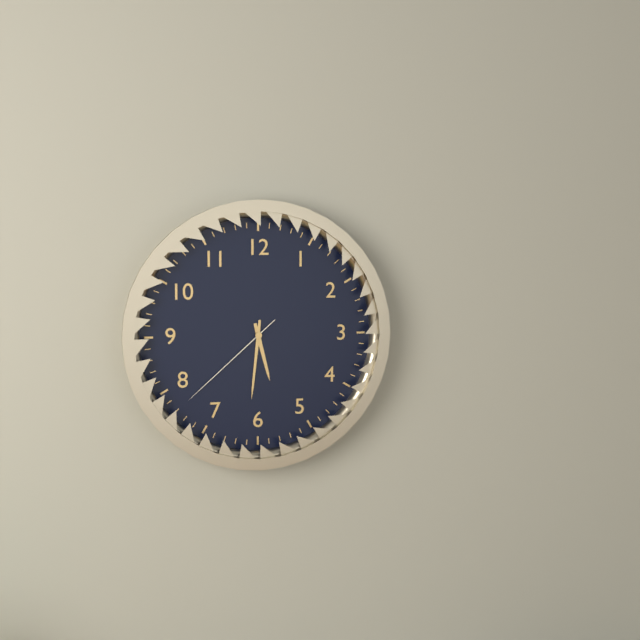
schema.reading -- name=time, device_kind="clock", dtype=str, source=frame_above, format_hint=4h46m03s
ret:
5h31m38s
